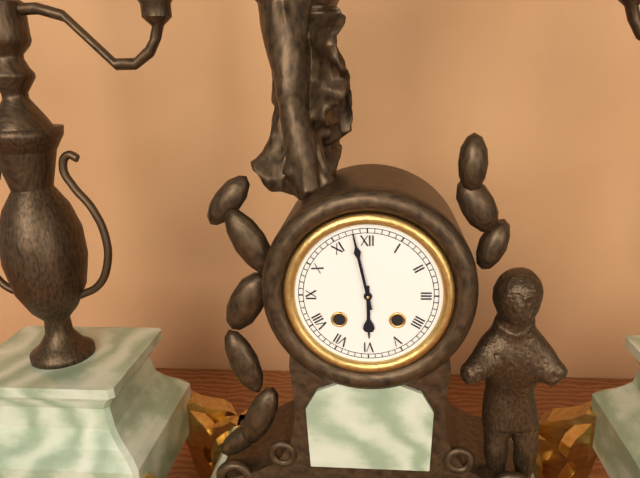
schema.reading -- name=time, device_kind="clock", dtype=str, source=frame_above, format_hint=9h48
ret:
5h58
